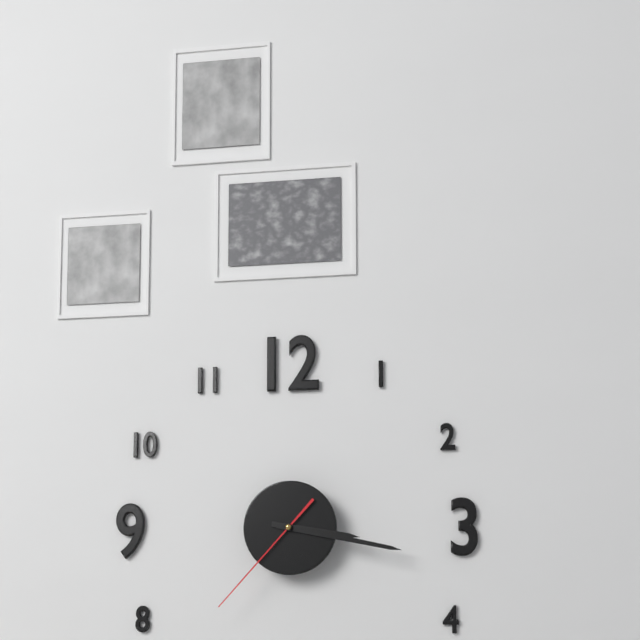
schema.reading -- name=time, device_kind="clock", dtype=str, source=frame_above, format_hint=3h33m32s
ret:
3h17m37s
